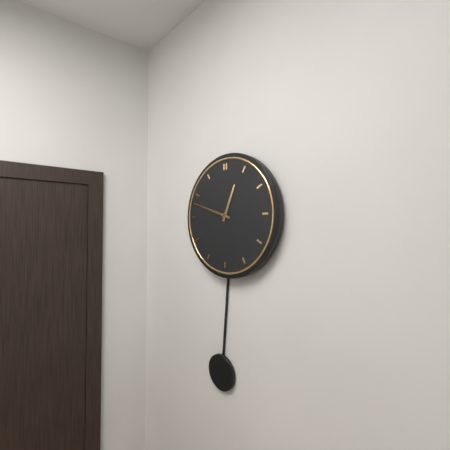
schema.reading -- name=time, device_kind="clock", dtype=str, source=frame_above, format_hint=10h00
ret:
12h48
